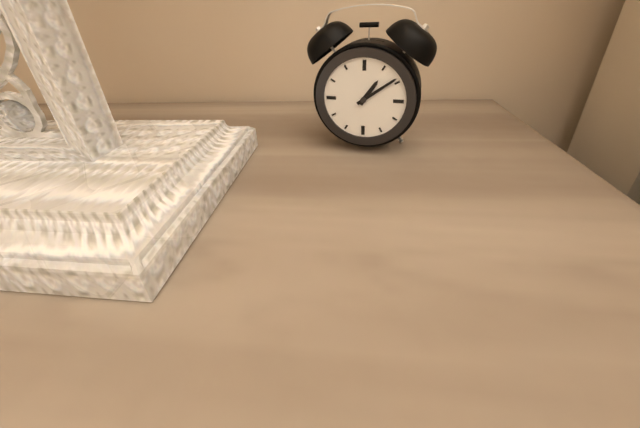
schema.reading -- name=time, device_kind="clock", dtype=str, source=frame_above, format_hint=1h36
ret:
1h09
